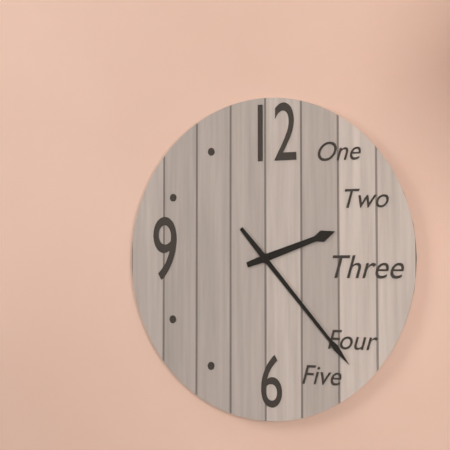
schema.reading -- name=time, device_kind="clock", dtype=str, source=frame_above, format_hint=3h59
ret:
2h23
